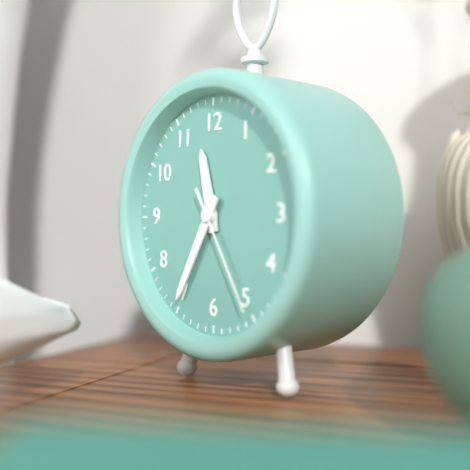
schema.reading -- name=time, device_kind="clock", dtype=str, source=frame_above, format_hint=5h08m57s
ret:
11h35m25s
